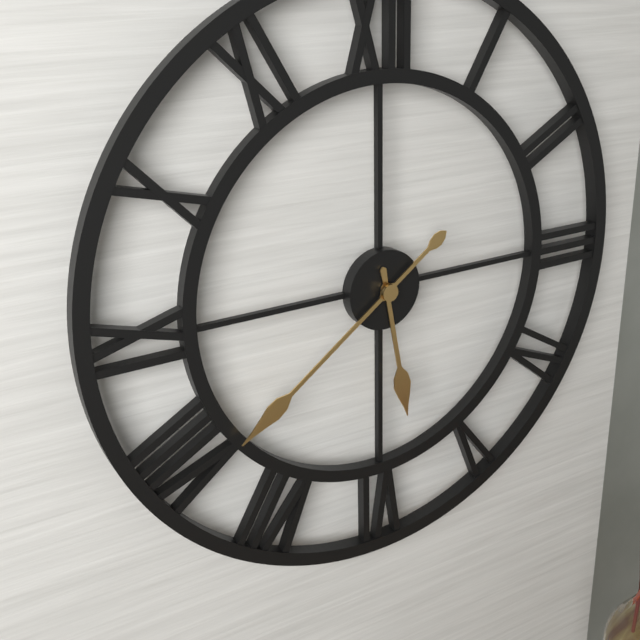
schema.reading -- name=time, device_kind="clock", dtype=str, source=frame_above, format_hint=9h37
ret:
5h39
